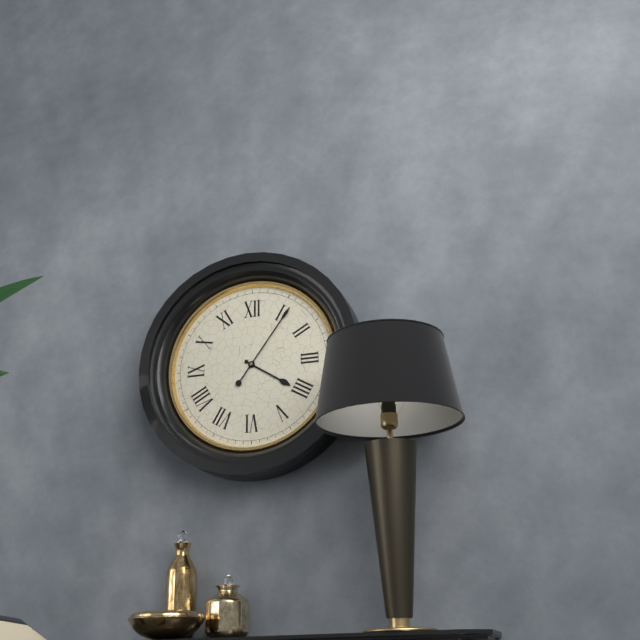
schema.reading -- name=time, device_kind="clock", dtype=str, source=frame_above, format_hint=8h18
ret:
4h06
